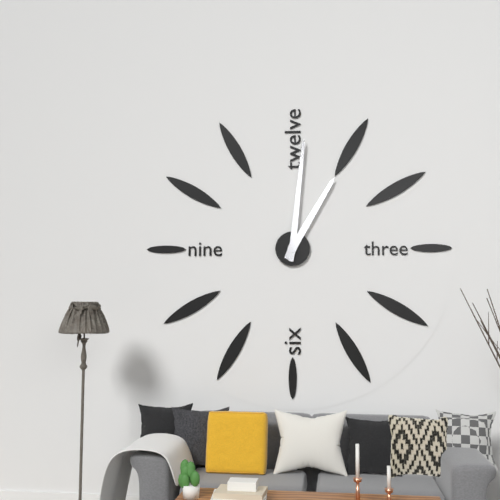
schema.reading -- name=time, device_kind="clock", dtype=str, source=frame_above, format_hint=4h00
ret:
1h01
